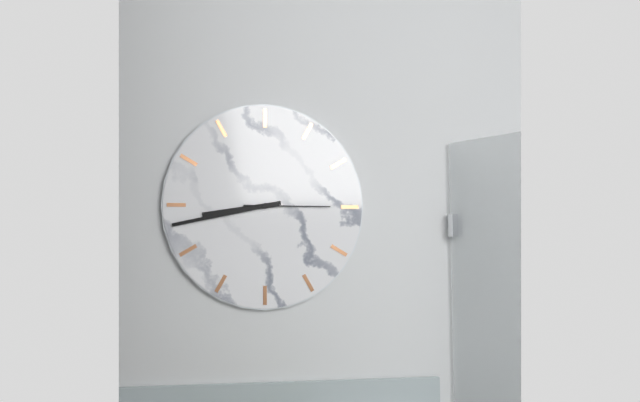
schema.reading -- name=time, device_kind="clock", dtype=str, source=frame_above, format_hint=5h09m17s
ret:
8h43m15s
